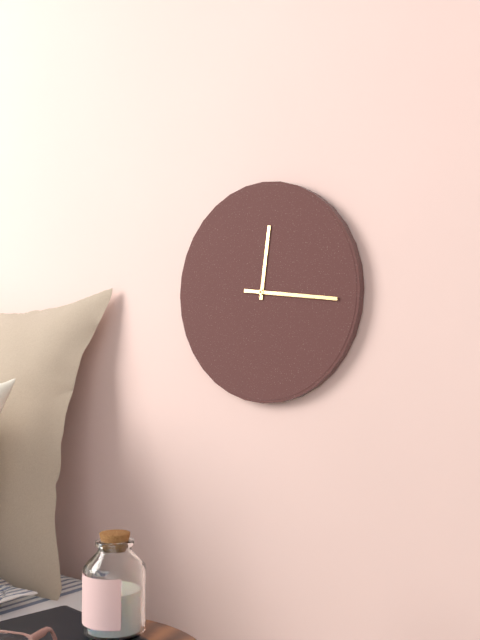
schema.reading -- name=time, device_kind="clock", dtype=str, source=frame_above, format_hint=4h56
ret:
12h16
